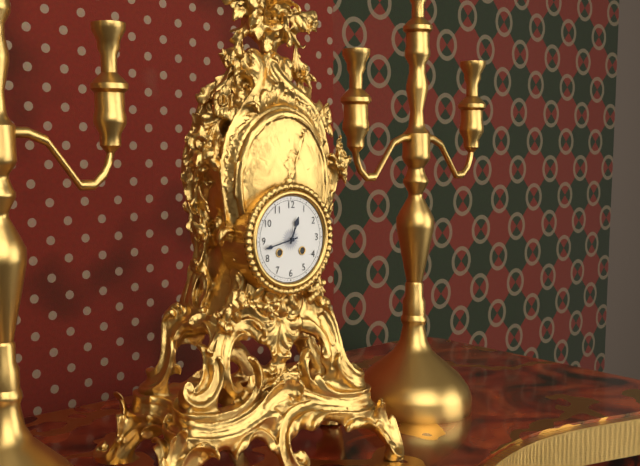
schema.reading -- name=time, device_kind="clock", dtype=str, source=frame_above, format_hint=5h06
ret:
12h43
